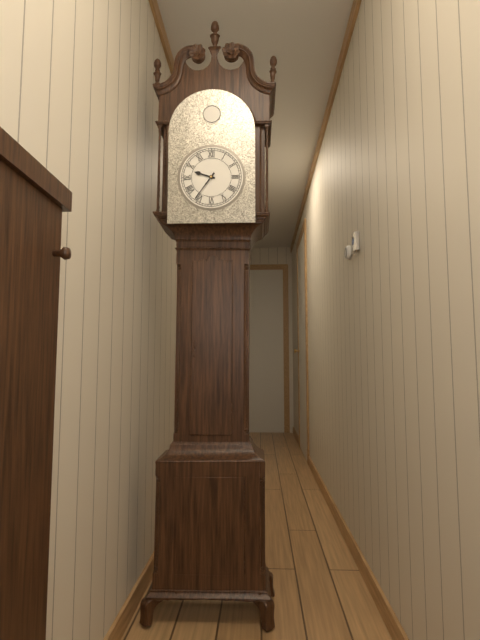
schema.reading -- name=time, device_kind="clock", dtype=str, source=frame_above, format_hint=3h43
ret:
9h36
